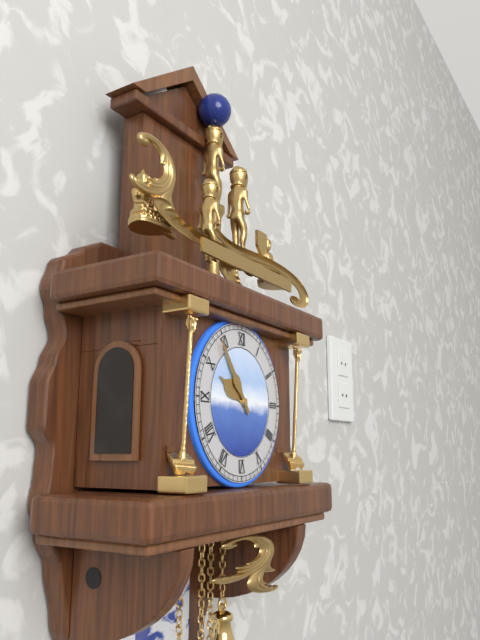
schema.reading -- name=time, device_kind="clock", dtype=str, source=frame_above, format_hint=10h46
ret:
9h54
